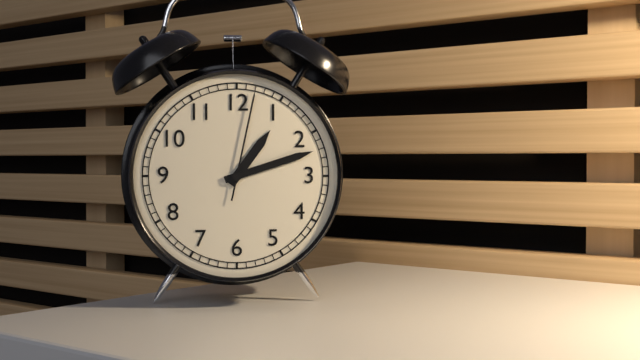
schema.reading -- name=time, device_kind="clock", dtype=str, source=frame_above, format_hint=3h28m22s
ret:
1h12m02s
